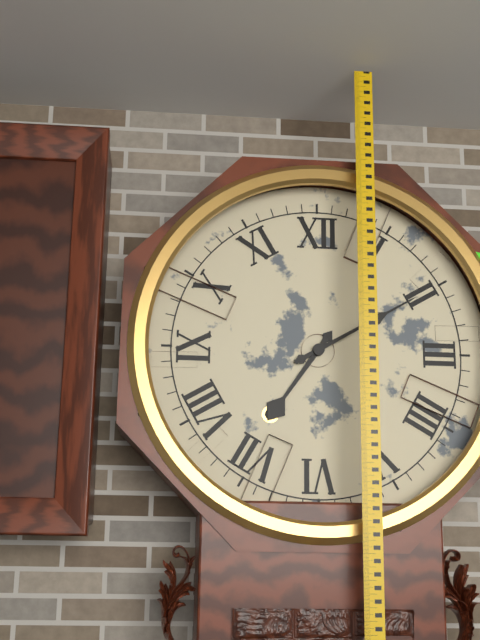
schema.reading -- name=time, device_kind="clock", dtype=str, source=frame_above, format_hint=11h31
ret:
7h10
